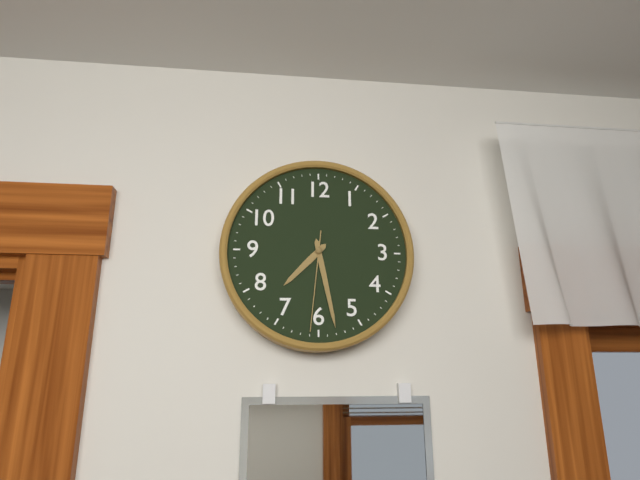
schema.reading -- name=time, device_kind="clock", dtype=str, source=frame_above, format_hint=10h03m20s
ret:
7h28m31s
